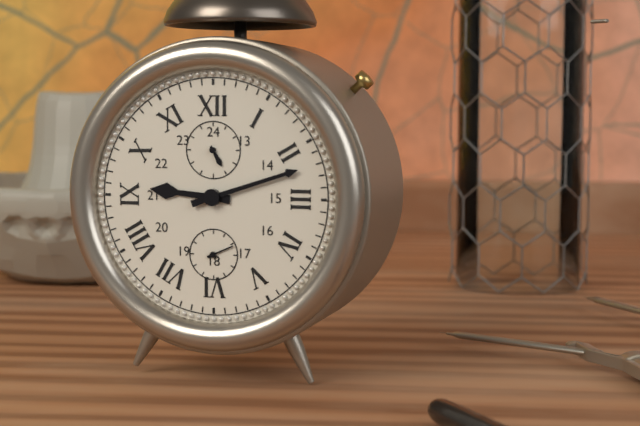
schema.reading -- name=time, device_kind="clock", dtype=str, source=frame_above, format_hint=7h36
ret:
9h12
